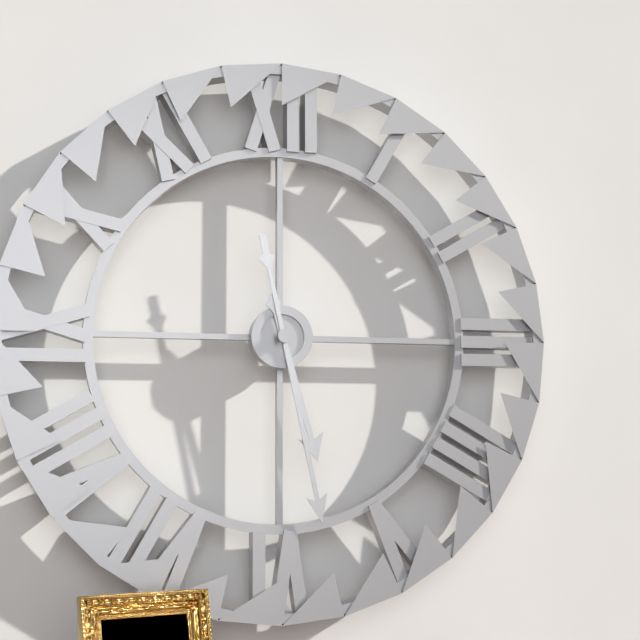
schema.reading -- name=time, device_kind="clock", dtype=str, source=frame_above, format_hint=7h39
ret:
5h28
